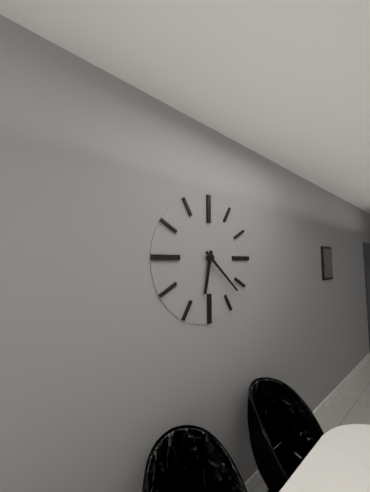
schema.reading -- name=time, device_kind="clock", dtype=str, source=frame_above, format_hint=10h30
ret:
6h22
